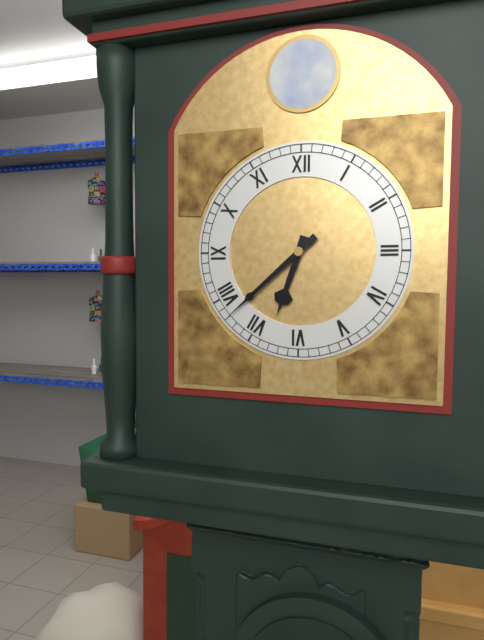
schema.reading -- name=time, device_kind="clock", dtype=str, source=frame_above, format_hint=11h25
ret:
6h38
